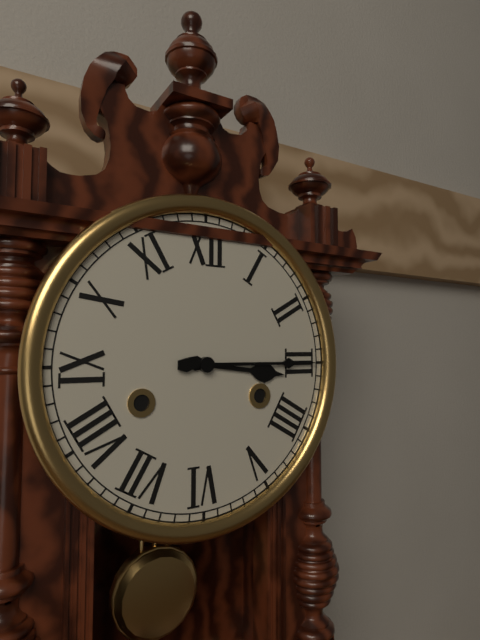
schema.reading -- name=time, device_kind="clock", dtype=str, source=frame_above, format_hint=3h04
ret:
3h15
